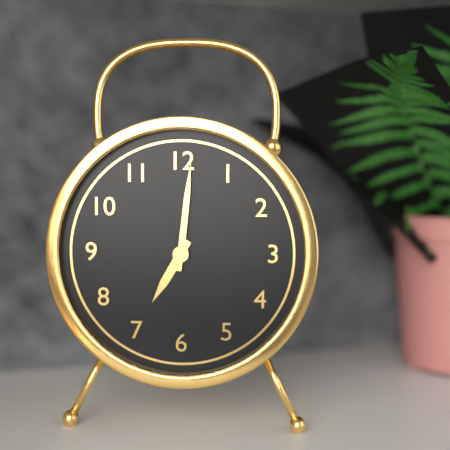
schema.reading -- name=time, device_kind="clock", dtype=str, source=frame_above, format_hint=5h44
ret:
7h01
